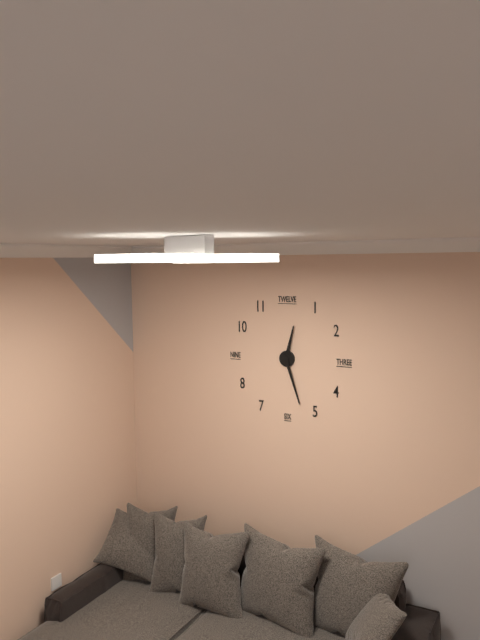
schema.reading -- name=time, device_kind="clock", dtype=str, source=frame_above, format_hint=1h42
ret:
12h27
